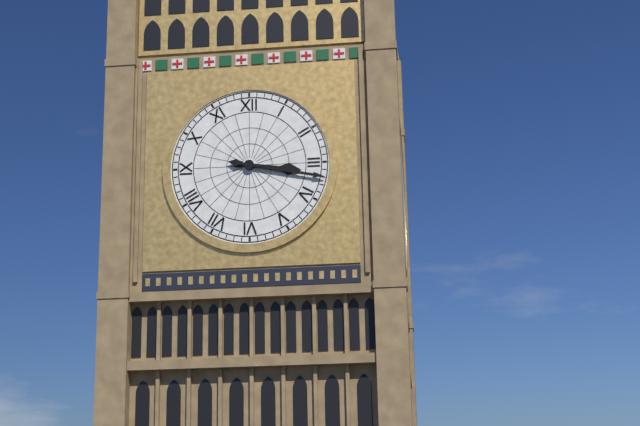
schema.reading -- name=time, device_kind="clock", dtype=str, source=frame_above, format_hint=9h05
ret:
3h17
